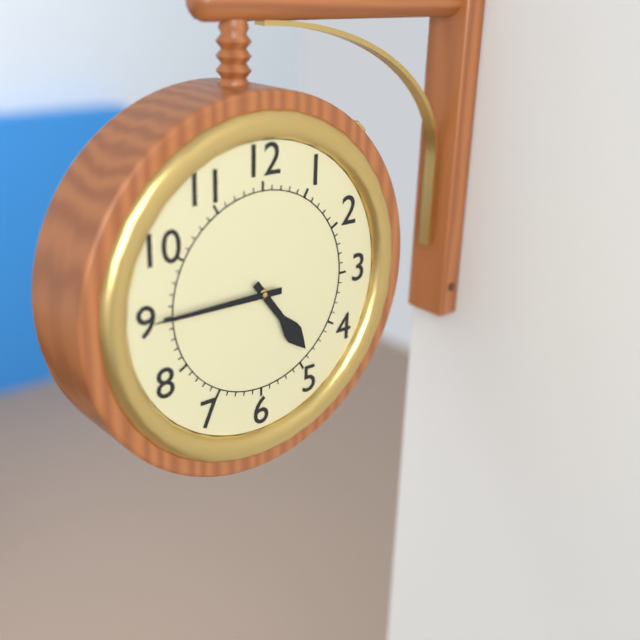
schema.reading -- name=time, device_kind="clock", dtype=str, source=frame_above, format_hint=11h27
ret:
4h45
